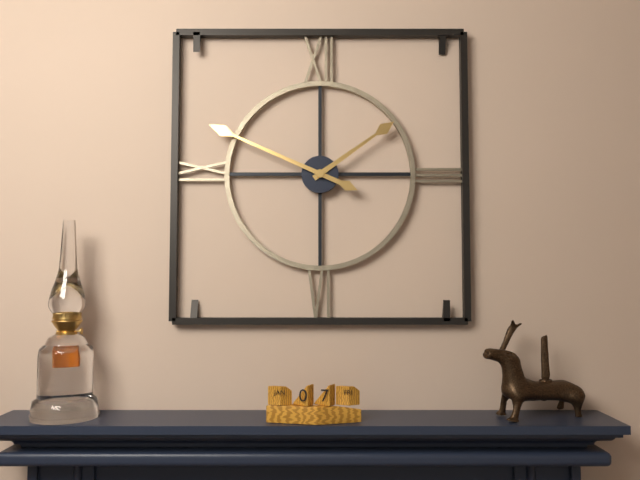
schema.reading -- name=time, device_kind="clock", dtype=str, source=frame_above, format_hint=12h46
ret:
1h49
